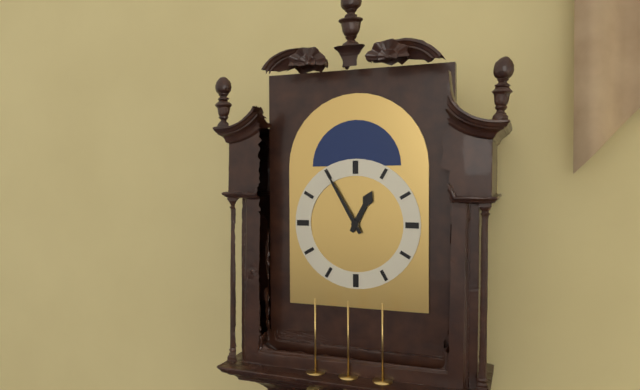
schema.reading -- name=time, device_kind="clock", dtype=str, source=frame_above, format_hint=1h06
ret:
12h55
